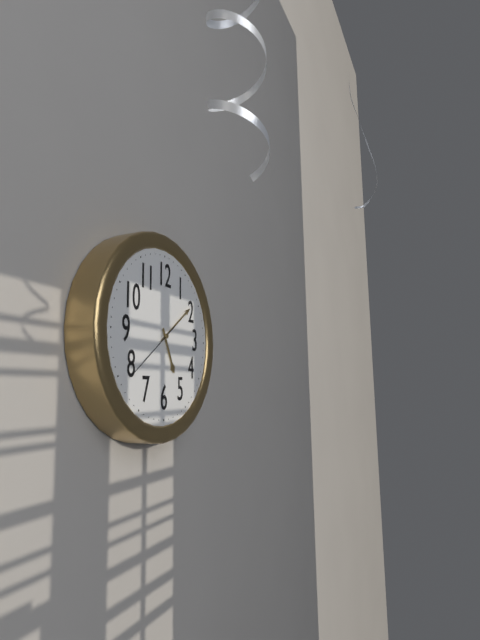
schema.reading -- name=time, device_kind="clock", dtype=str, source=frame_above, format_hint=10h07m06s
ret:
5h09m39s
